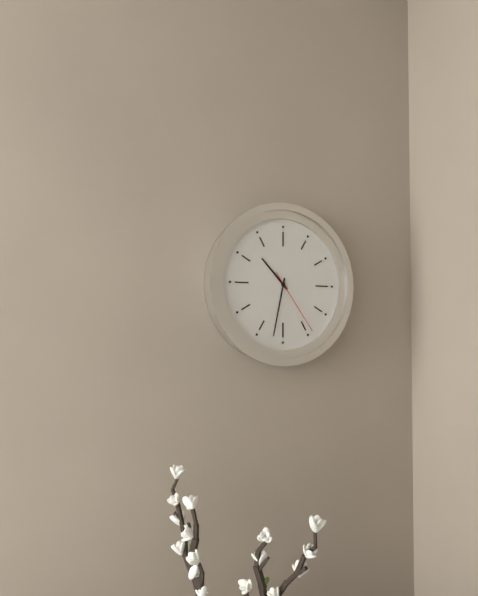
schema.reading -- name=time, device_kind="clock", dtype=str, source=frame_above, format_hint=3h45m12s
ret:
10h32m24s
